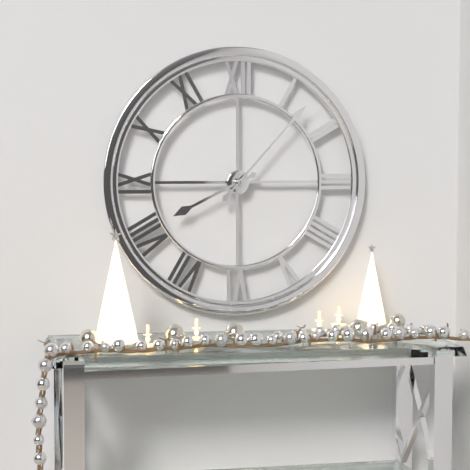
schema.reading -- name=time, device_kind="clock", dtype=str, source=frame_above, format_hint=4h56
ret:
8h07
